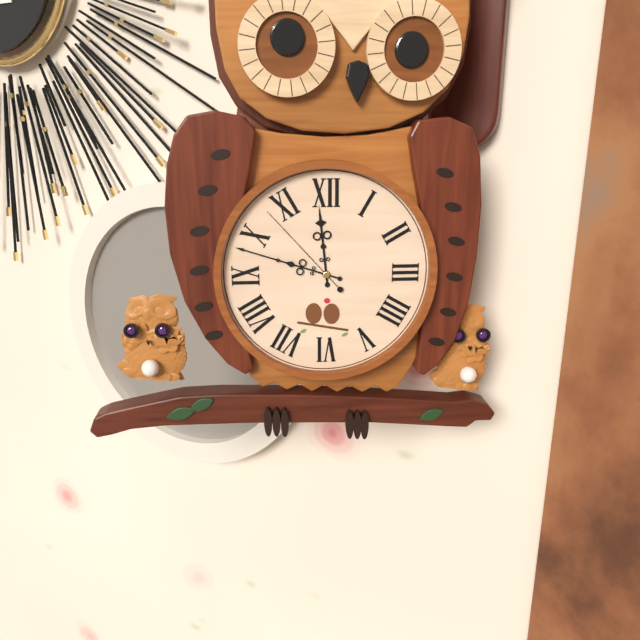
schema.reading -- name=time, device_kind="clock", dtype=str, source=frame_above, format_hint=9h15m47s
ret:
11h48m53s
